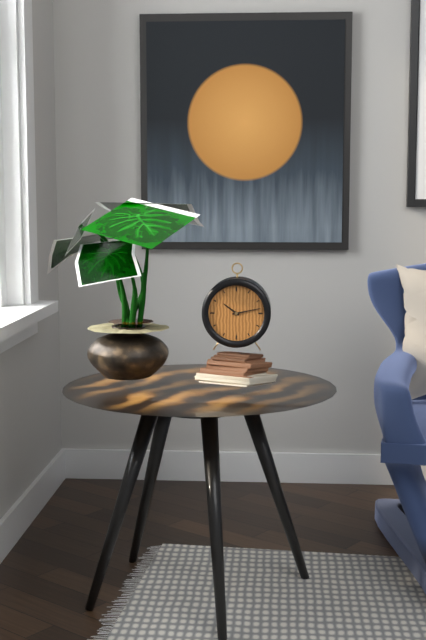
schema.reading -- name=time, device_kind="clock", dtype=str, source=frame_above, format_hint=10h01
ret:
10h13
